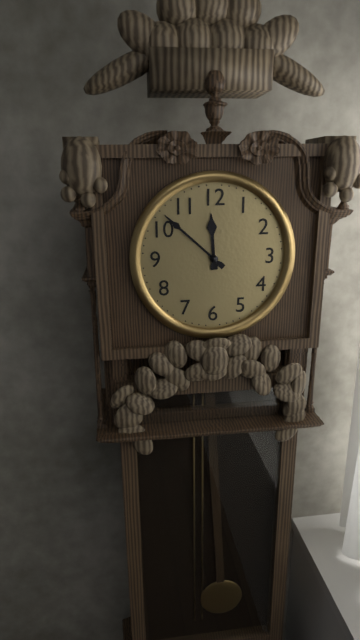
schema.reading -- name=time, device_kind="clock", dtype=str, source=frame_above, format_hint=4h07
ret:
11h52
